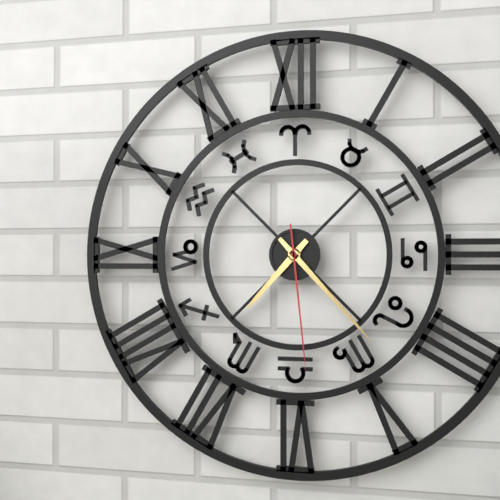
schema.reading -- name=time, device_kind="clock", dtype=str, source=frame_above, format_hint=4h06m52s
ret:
7h23m29s
